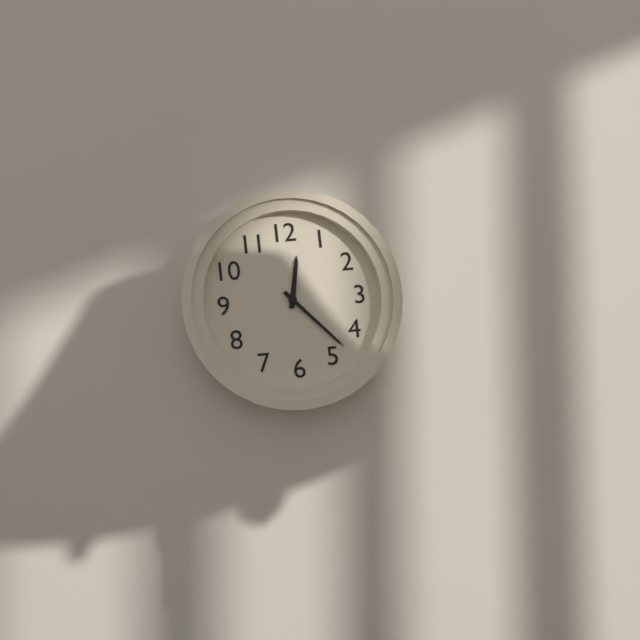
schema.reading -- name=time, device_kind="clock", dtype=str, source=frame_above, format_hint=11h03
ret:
12h23
